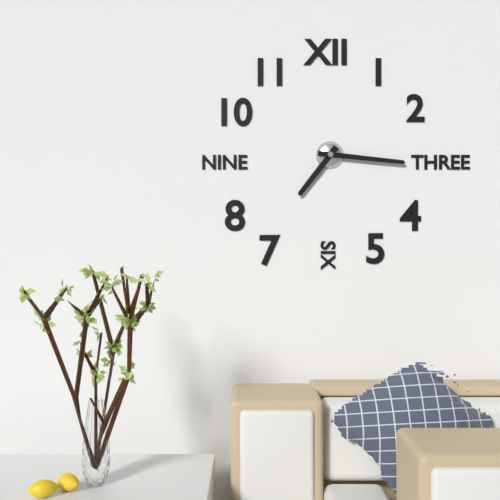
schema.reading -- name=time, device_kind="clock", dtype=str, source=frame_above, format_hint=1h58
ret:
7h16
